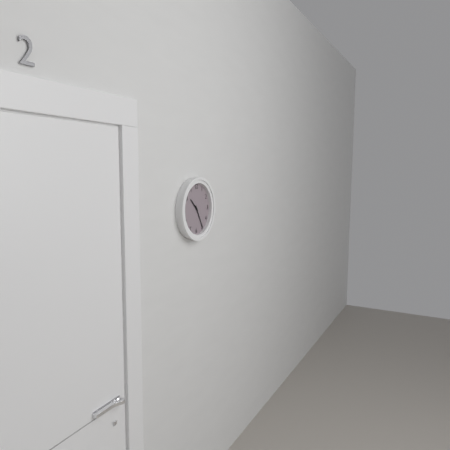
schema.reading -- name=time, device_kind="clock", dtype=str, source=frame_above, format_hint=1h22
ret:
10h25
